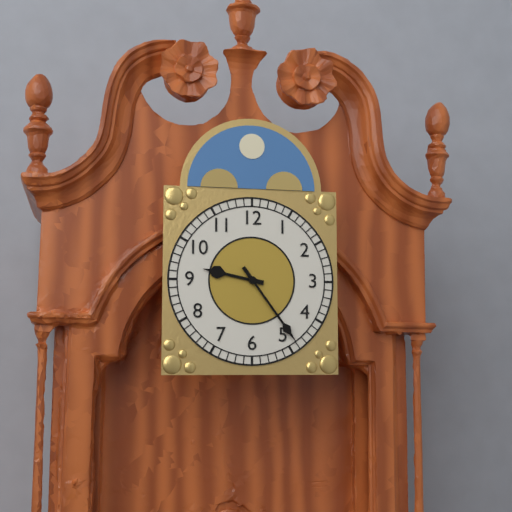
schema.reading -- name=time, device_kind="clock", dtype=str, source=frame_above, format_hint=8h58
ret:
9h24
